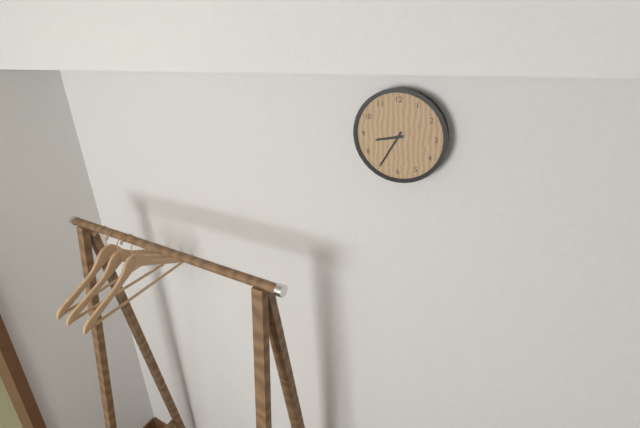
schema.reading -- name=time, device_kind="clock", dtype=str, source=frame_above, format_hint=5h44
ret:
8h35
